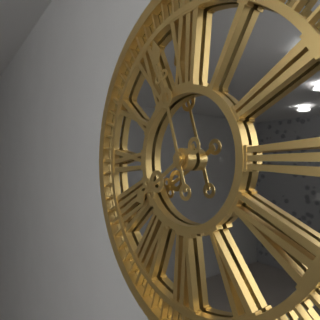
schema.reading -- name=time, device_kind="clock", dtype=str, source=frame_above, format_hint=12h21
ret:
7h57
